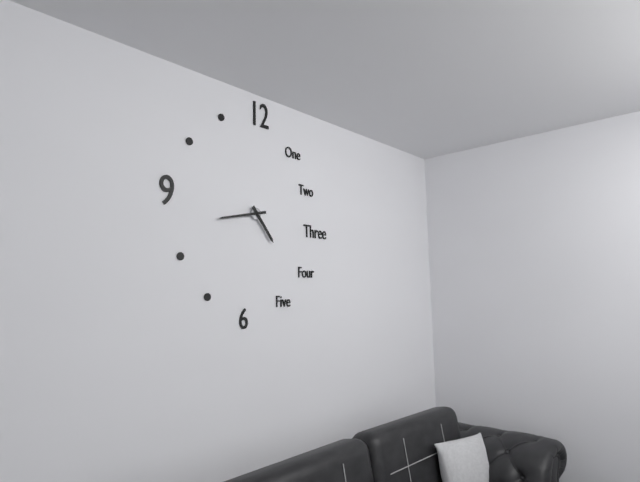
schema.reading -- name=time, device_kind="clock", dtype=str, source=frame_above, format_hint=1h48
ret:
4h43
